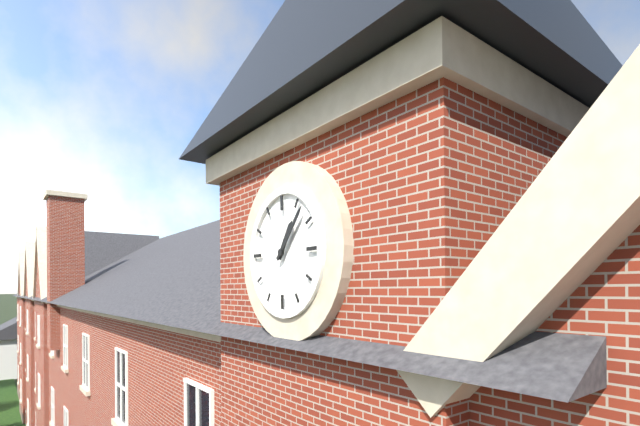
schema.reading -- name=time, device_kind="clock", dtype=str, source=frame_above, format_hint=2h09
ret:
1h07
